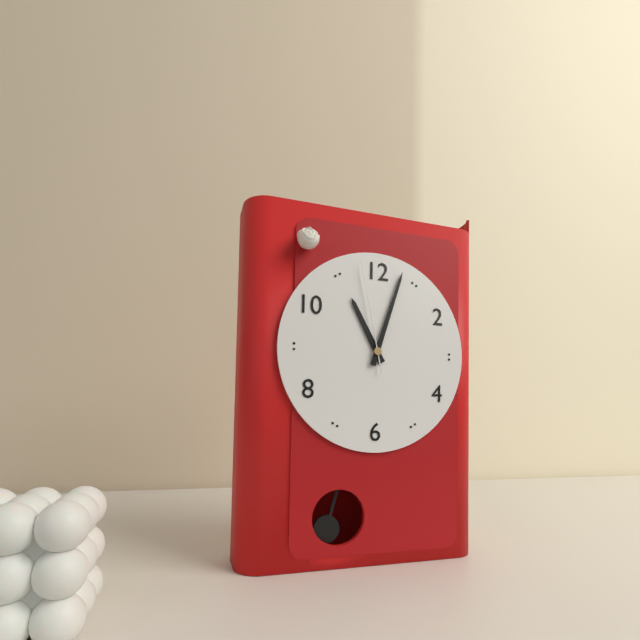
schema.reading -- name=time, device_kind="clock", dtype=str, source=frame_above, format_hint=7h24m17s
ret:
11h03m58s
